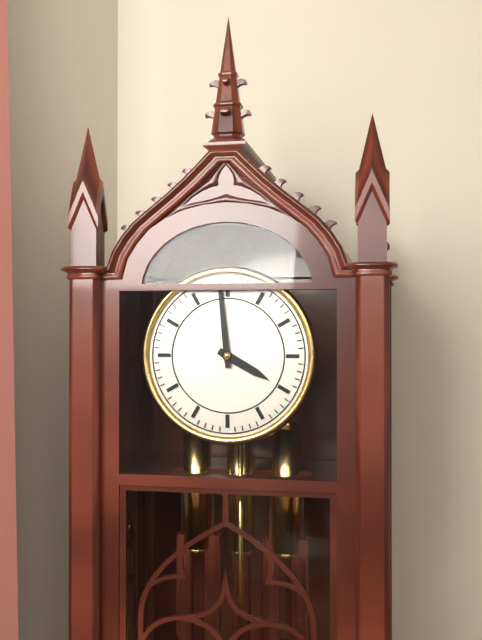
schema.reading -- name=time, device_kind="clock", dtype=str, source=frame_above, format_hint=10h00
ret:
3h59
